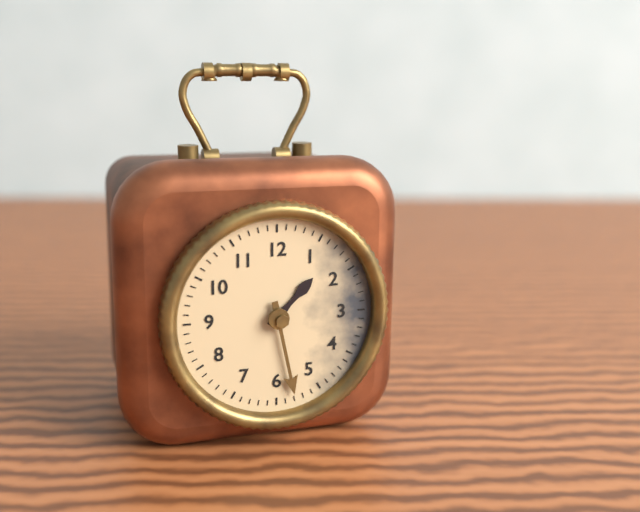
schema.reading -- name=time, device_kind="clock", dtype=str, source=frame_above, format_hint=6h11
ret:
1h28
